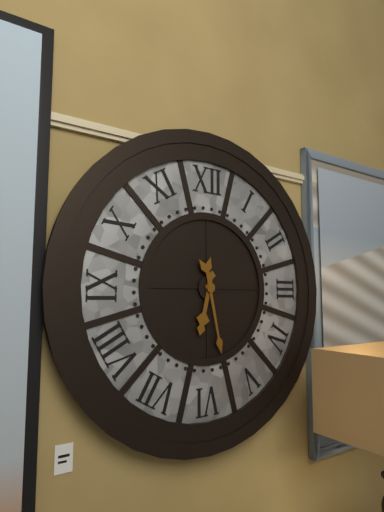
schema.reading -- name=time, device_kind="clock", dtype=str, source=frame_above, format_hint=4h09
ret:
6h28
